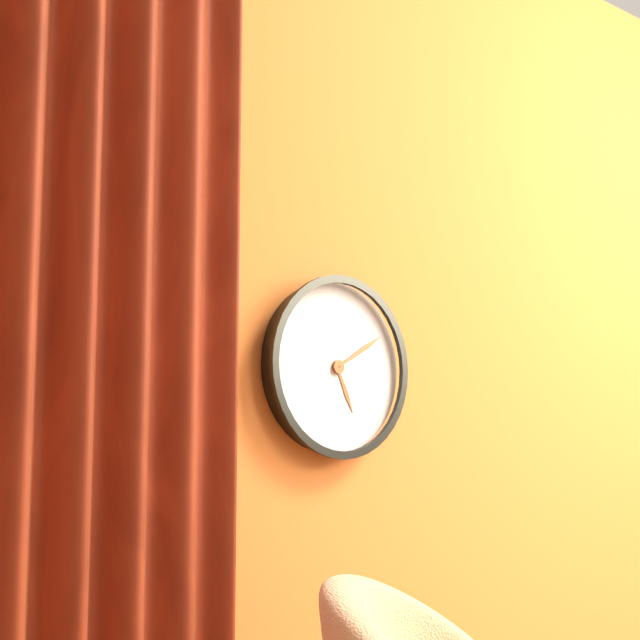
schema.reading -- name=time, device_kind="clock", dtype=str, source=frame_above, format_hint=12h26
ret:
5h10
